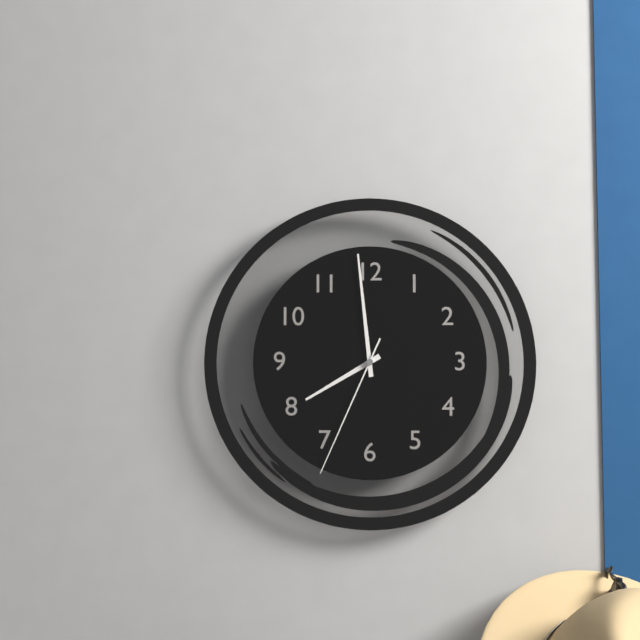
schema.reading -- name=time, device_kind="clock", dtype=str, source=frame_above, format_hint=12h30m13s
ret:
7h59m34s
